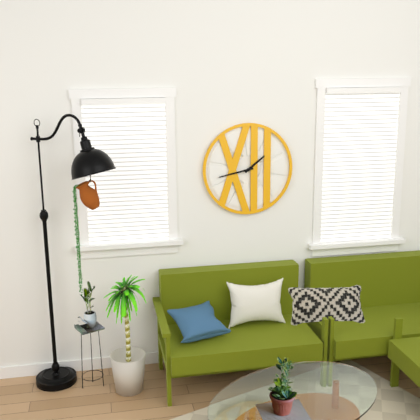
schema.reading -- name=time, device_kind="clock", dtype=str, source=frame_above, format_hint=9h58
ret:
1h43
